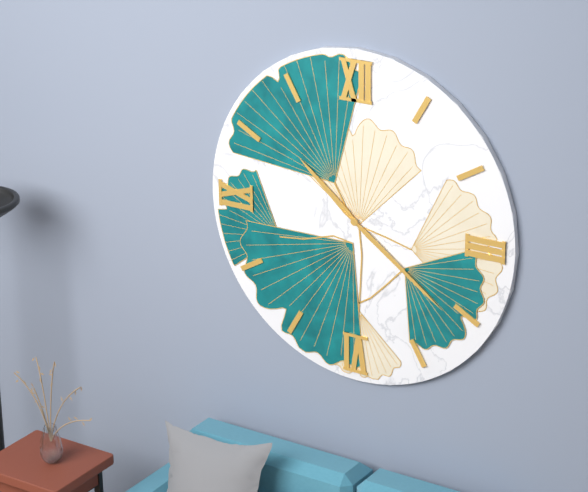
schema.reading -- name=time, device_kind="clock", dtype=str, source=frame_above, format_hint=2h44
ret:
10h21
